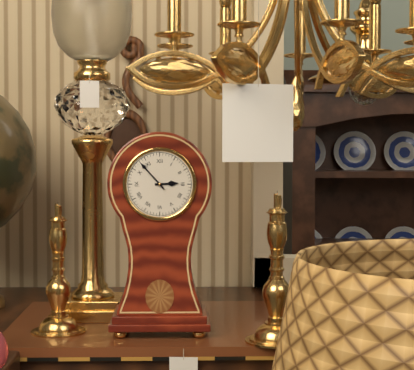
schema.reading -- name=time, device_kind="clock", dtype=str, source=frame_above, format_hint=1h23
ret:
2h53
